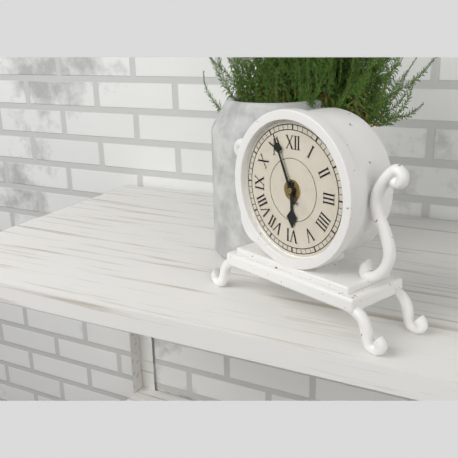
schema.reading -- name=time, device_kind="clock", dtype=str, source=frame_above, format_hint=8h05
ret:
5h56
